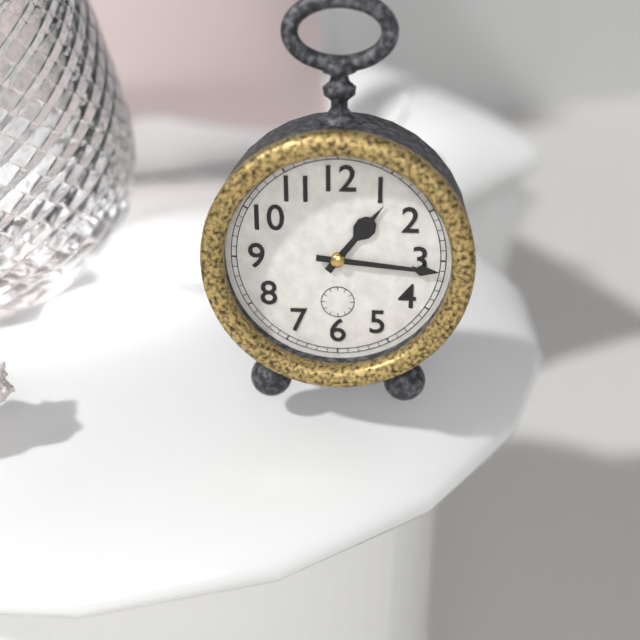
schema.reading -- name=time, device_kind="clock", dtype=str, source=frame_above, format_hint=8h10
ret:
1h16
